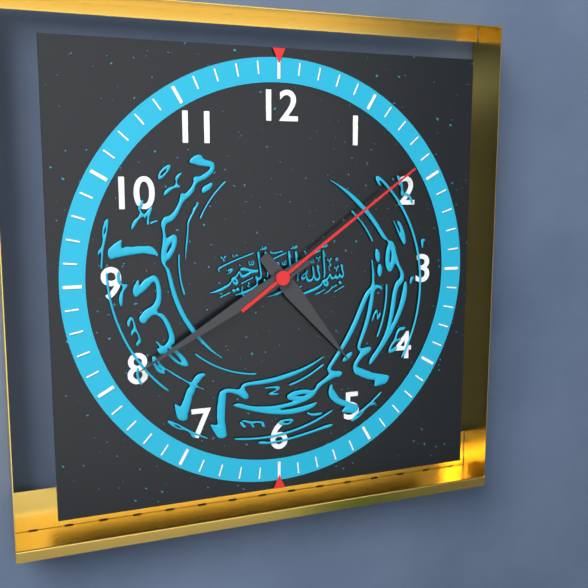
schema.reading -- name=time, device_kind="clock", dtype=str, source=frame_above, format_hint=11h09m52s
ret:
4h40m09s
